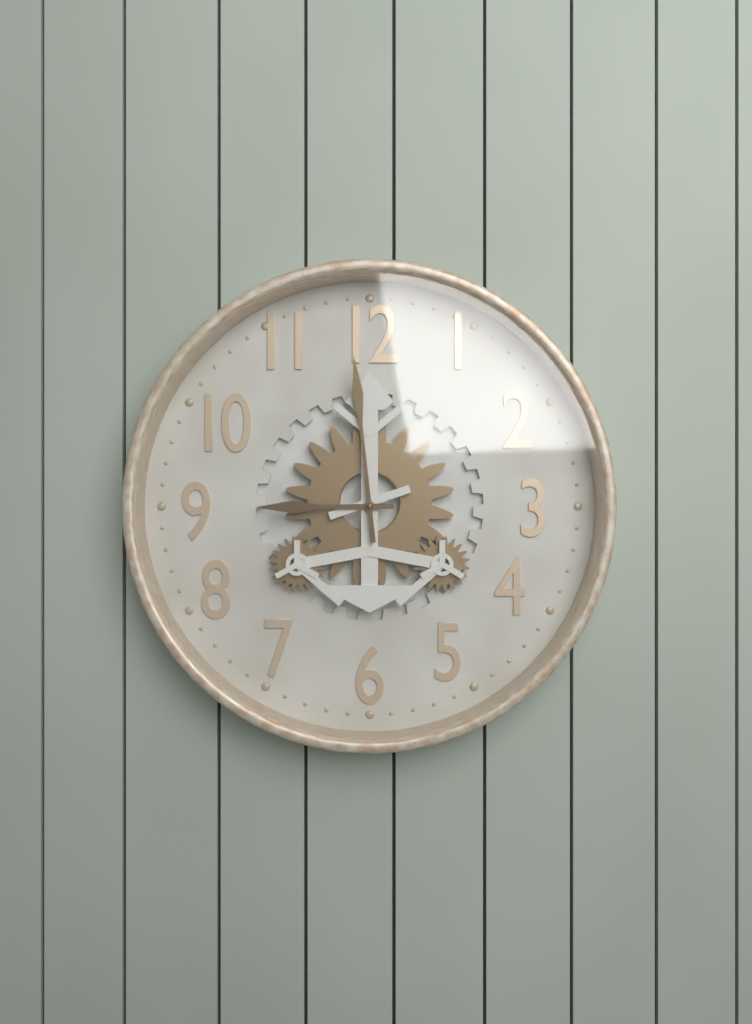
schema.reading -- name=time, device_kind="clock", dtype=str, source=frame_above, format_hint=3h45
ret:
8h59
